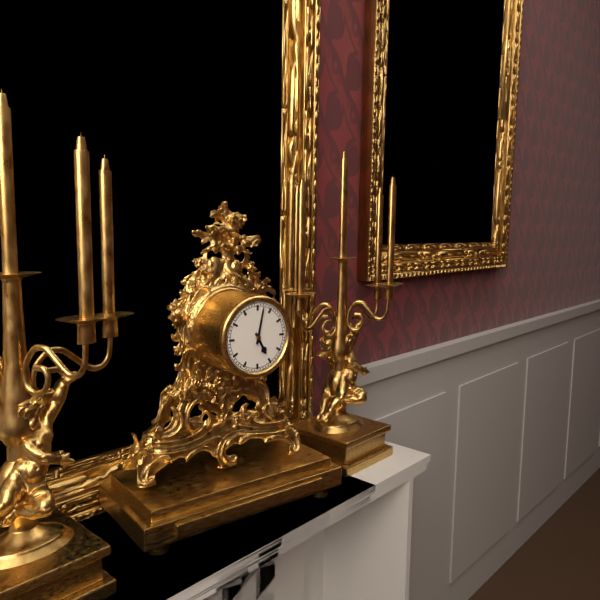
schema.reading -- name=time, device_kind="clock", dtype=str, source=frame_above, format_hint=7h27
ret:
5h02
